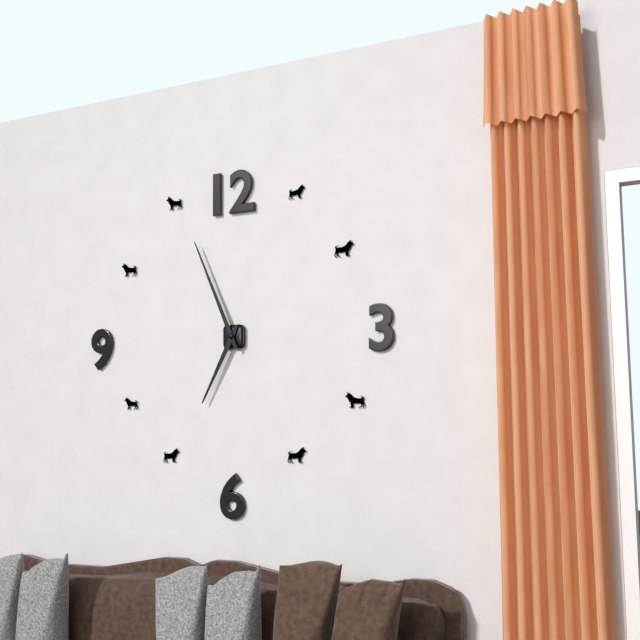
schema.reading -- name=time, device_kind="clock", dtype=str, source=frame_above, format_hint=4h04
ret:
6h56
